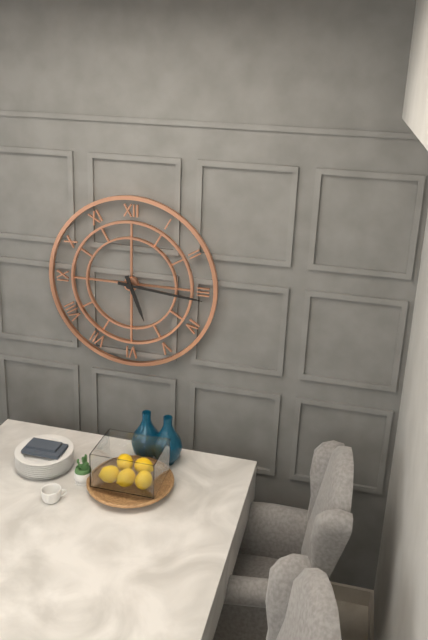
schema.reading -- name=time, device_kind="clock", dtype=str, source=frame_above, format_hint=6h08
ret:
5h16
